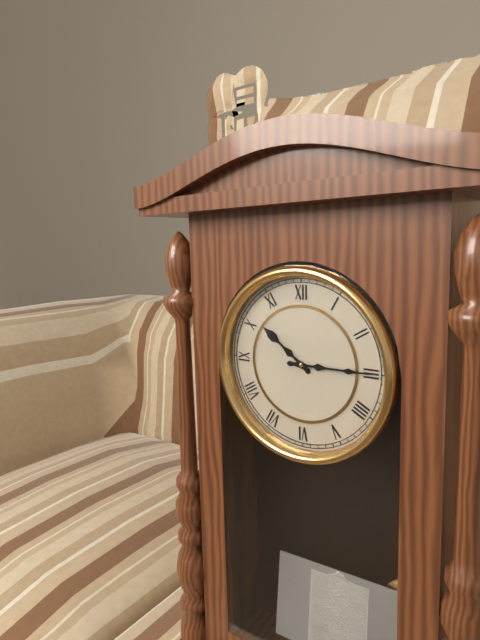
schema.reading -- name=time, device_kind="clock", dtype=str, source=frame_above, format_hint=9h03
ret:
10h15
